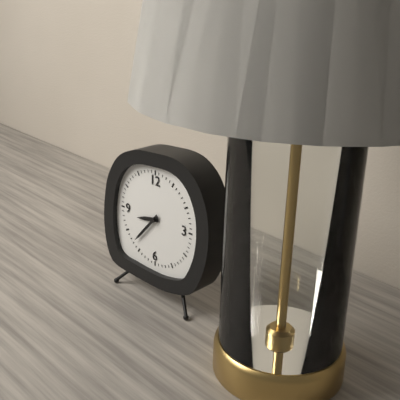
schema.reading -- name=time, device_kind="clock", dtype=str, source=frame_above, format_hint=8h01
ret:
8h37
